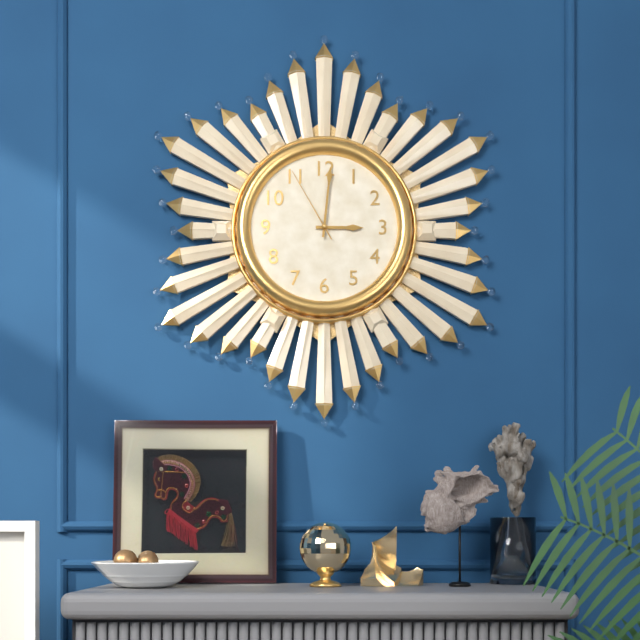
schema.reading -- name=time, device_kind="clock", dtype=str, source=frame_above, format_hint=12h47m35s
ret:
3h01m55s
